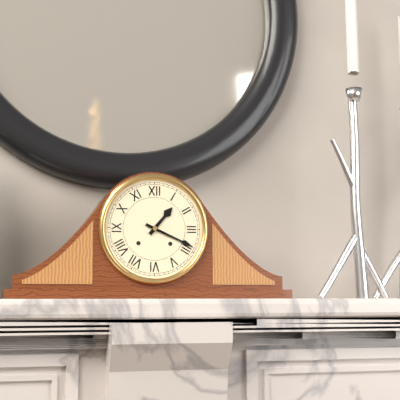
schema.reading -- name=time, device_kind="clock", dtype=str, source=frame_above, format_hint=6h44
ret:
1h19
